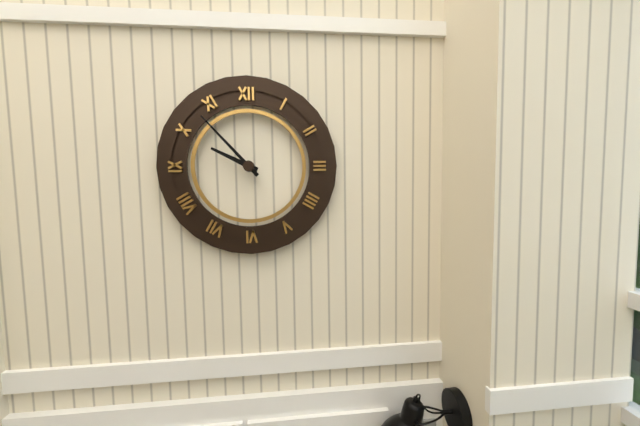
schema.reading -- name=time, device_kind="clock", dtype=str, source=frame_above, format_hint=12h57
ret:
9h53
